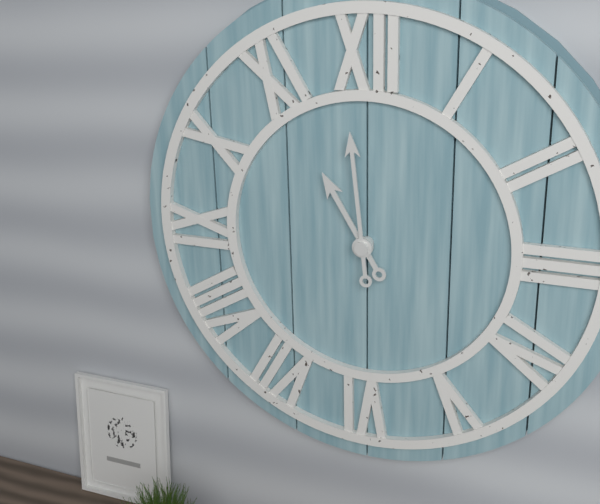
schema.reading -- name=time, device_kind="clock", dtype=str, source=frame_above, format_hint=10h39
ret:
10h59
